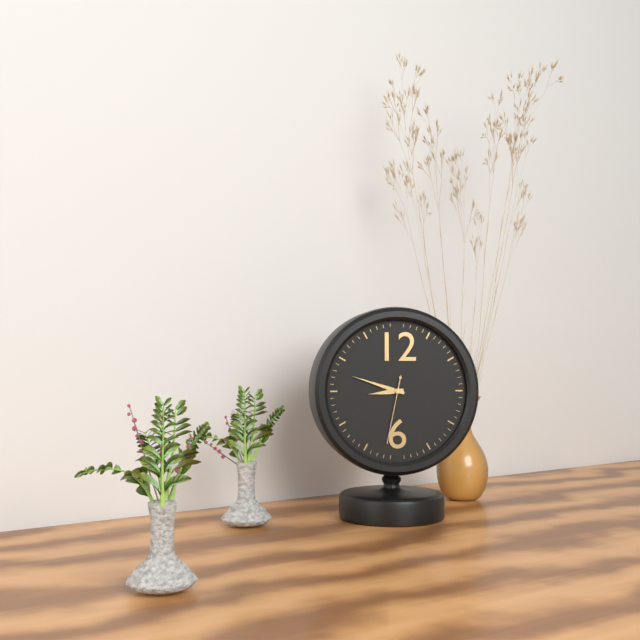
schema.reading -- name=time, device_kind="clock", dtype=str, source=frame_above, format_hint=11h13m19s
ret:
8h48m32s
